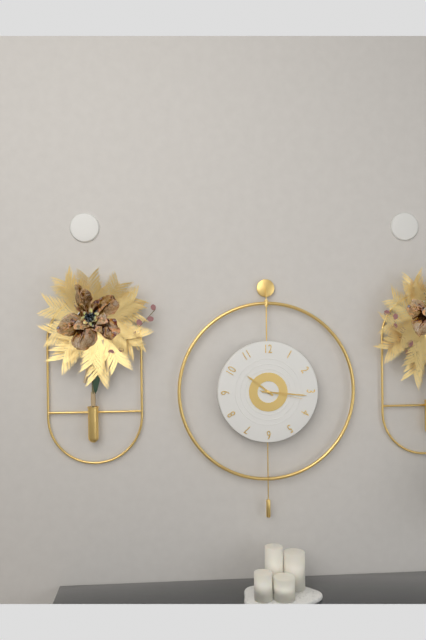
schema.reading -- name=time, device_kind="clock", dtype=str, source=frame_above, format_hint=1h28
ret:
10h16
